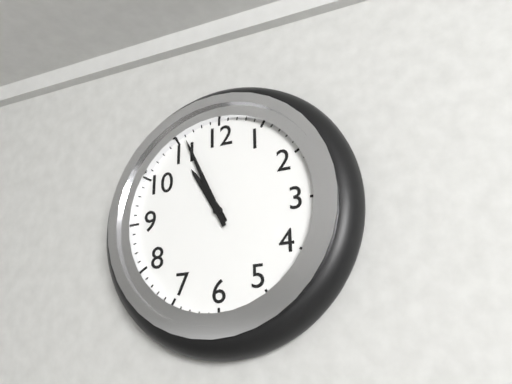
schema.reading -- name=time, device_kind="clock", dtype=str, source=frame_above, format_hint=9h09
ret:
10h56
